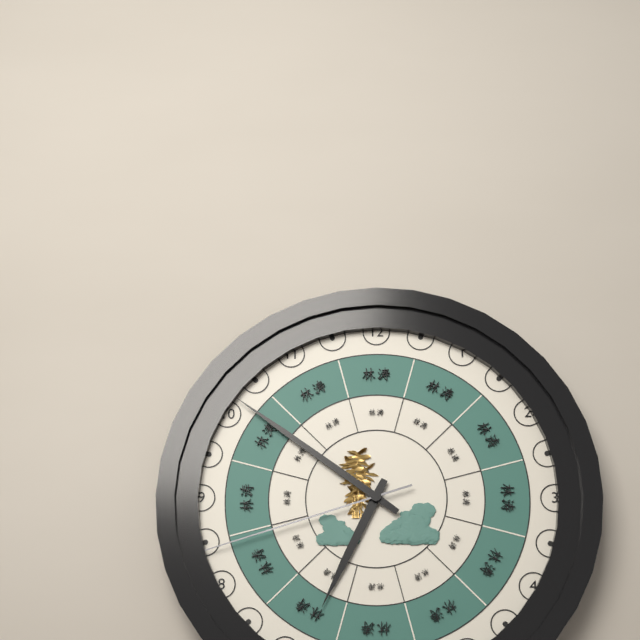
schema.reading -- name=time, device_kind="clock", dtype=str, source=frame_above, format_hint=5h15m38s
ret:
6h51m42s
